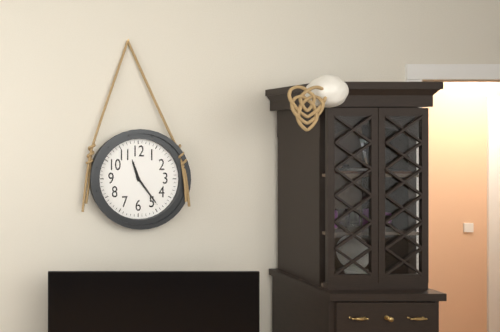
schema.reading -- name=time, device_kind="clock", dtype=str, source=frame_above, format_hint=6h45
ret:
11h24
